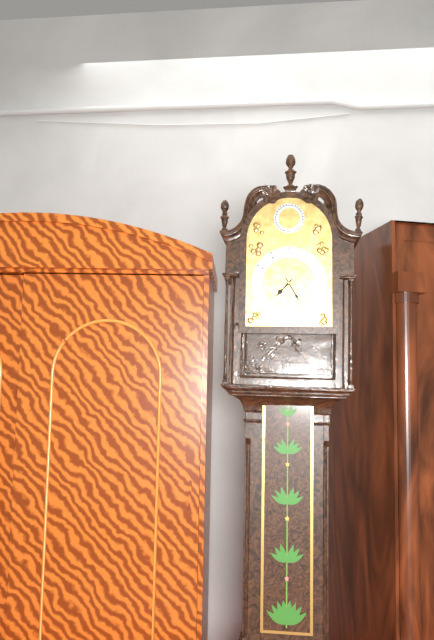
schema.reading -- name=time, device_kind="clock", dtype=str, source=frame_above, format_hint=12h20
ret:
7h25
